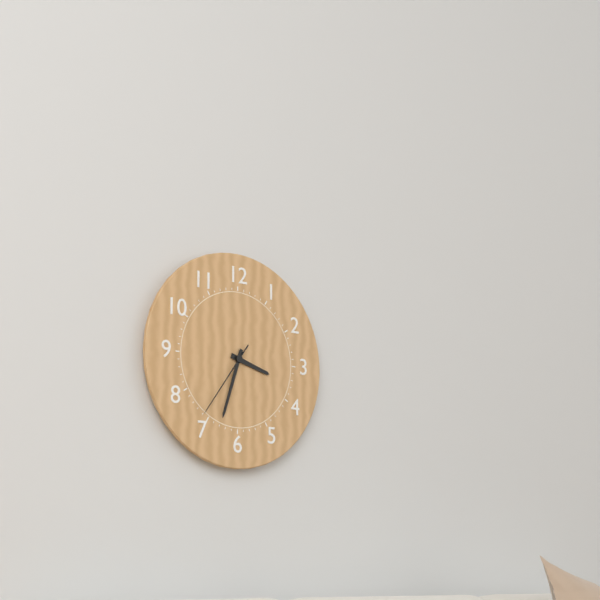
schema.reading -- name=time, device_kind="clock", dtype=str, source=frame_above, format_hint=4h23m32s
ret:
3h33m36s
